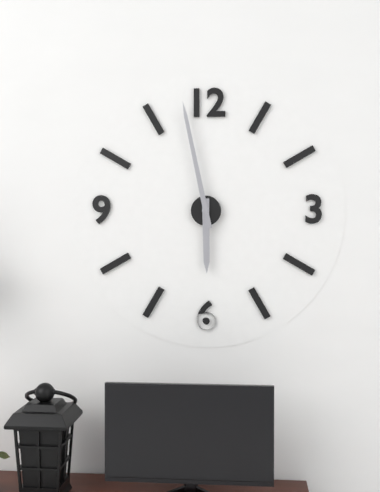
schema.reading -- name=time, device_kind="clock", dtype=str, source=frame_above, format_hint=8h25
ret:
5h58
